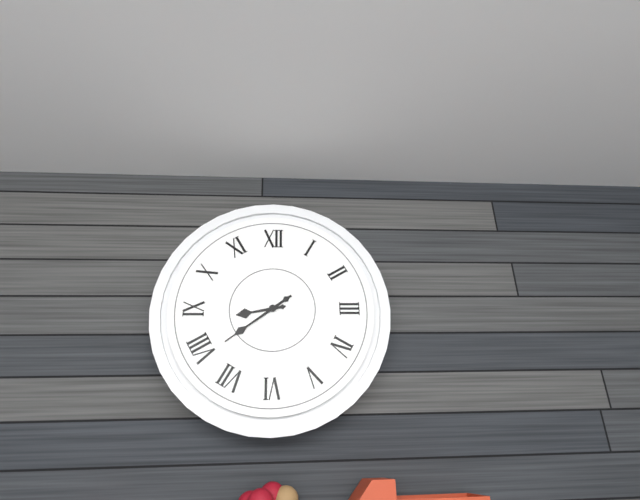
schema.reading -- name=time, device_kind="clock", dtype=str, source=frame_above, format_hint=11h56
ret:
8h39
